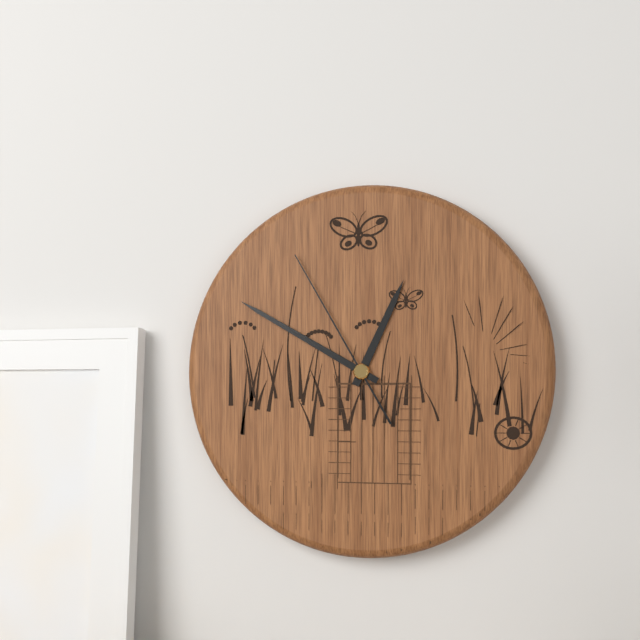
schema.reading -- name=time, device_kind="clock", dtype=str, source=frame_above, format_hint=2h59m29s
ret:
12h50m55s
